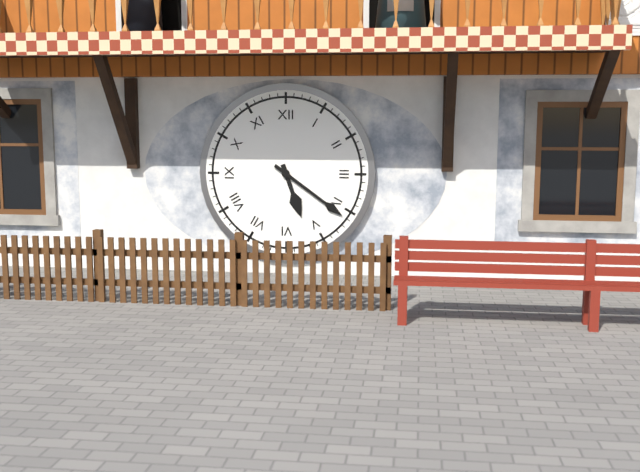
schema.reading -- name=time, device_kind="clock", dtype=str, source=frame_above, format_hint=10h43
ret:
5h21
